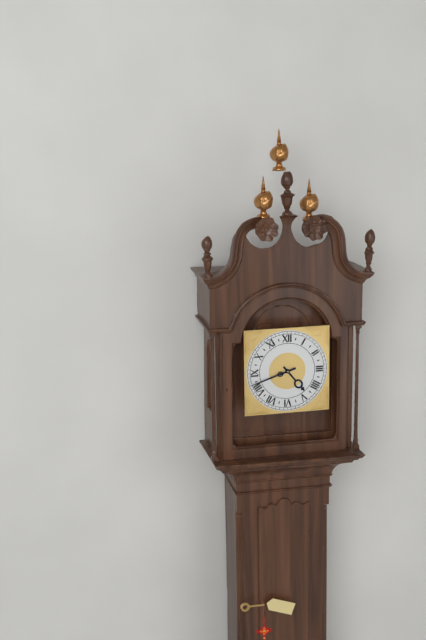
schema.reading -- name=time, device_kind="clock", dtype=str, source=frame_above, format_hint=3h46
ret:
4h42
